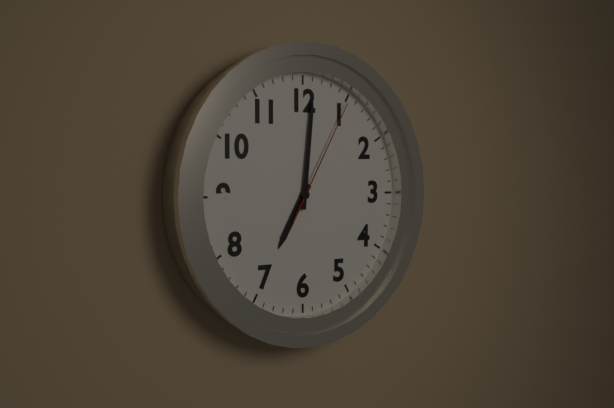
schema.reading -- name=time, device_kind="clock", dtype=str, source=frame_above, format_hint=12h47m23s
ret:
7h01m05s
